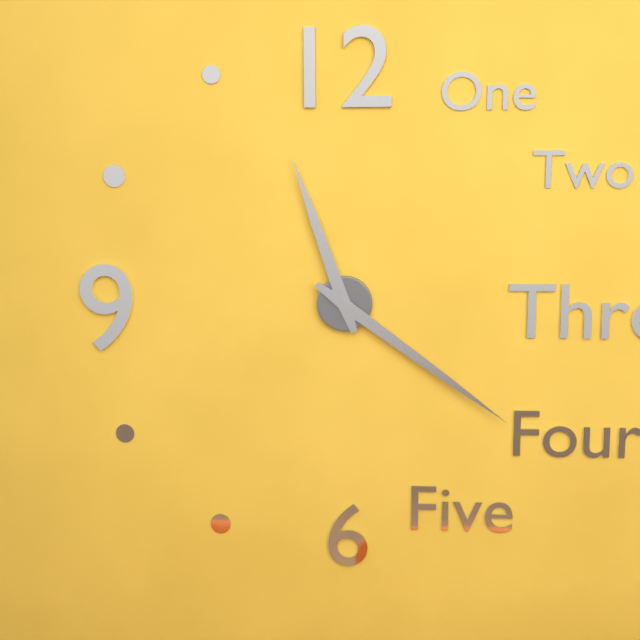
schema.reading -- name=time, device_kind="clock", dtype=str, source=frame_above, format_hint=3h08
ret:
11h21
